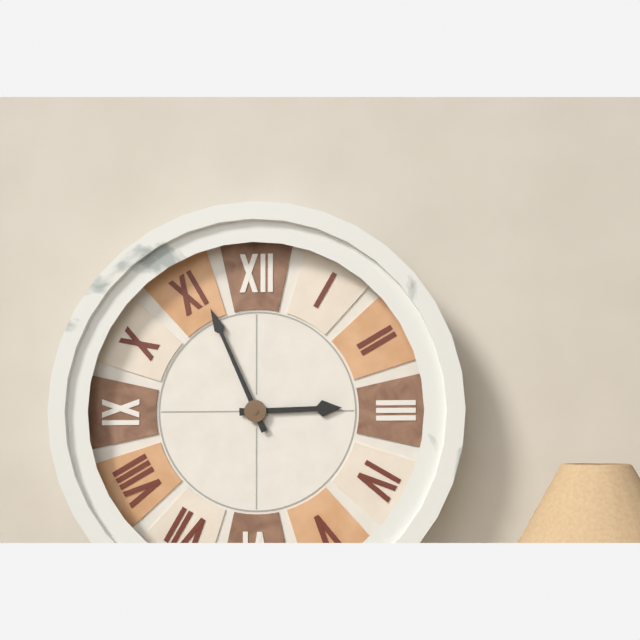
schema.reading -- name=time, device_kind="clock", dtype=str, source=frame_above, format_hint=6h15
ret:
2h56
